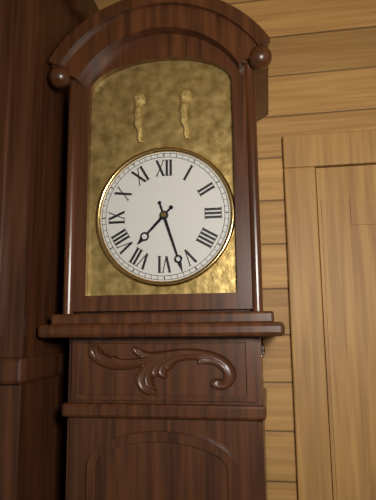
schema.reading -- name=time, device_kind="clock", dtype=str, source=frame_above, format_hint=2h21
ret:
7h27
